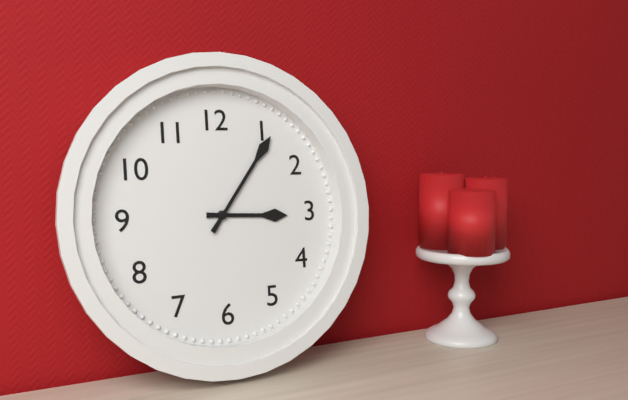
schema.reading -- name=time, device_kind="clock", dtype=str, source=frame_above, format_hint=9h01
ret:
3h06
